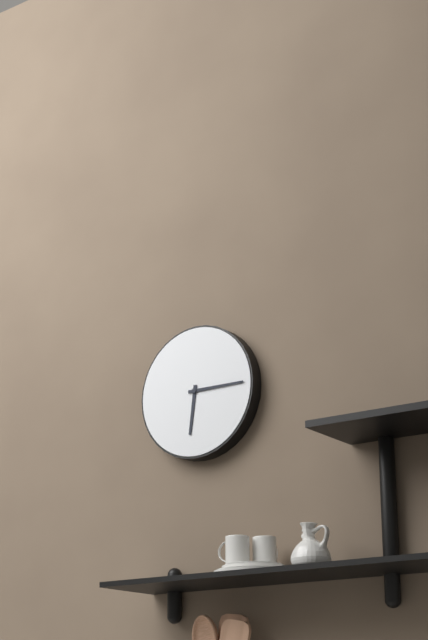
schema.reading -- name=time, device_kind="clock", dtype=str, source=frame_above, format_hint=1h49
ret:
6h15
